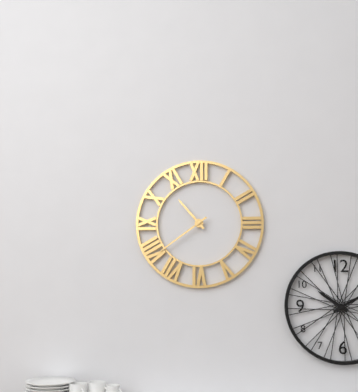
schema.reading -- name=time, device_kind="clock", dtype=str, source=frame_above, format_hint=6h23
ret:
10h39
